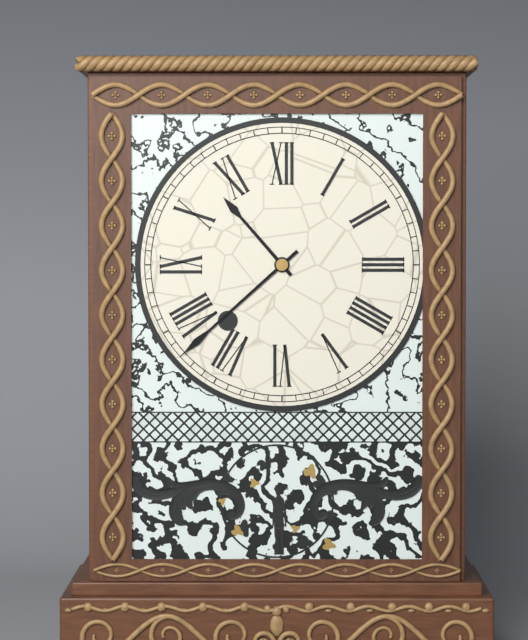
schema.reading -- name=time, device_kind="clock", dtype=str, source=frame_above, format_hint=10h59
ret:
10h38
